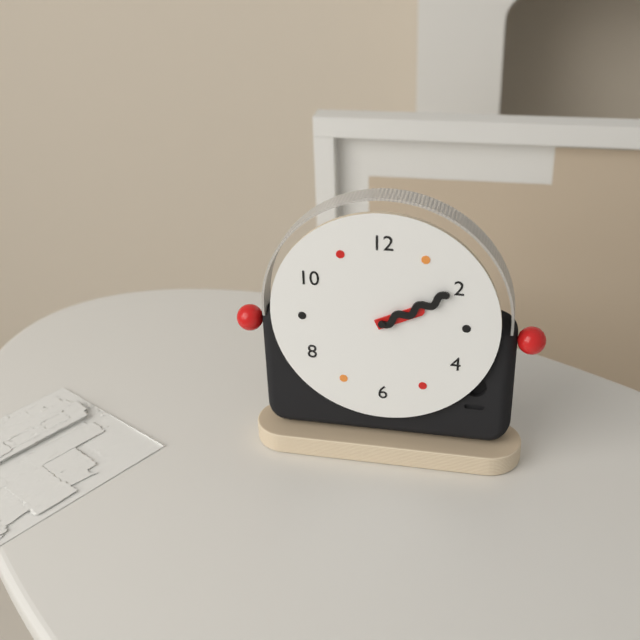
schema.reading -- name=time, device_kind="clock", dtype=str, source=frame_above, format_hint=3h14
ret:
2h10
